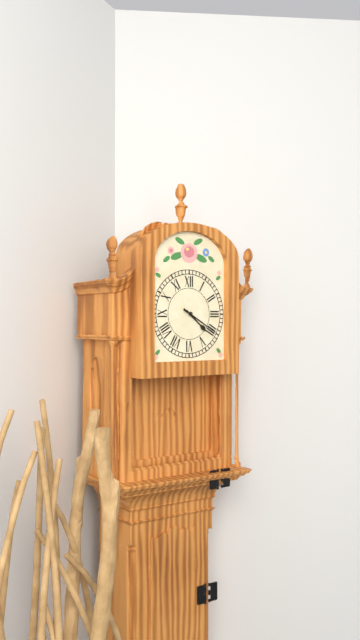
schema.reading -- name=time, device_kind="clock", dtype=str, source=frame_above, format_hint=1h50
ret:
4h20
